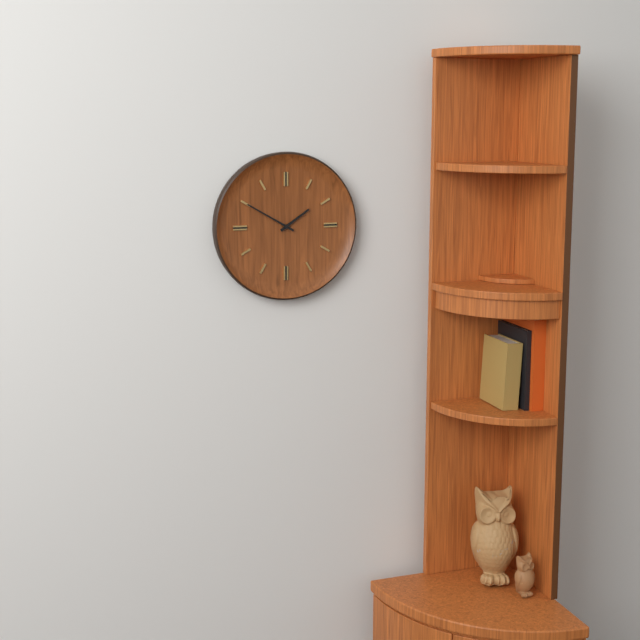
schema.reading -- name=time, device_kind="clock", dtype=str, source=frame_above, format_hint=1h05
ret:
1h50
